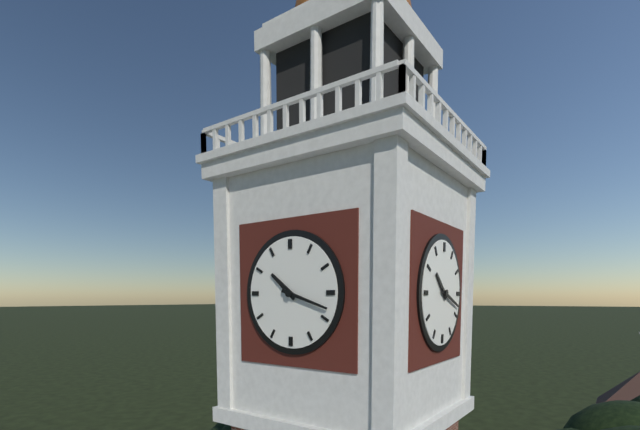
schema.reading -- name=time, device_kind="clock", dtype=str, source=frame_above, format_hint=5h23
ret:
10h18
